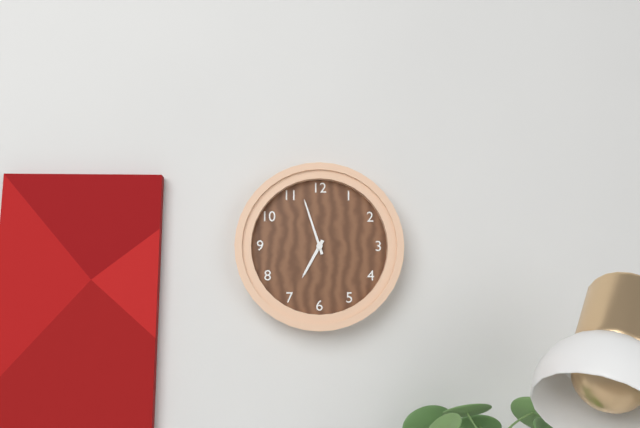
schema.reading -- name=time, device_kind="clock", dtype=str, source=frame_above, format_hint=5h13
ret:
6h57
